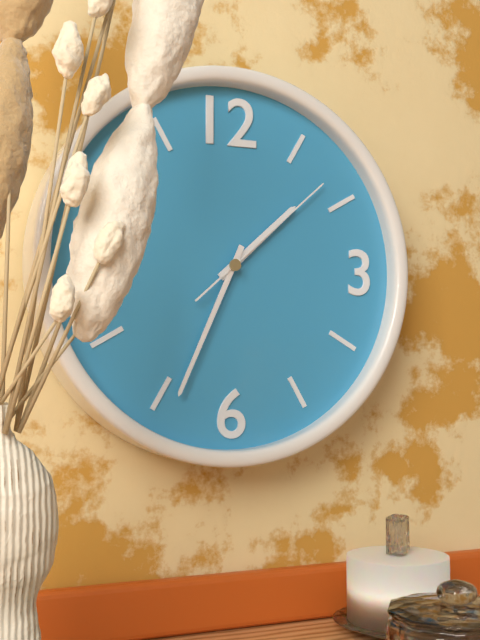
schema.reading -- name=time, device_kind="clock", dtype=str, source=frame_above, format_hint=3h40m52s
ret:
1h34m08s
